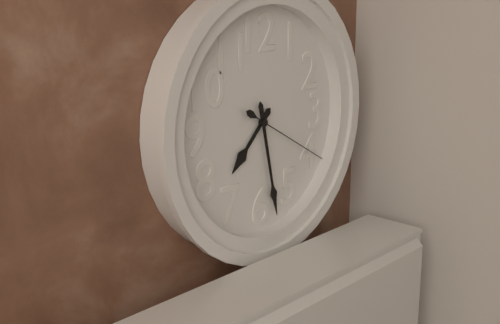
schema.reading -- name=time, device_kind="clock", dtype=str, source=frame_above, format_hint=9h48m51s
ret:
7h28m20s
